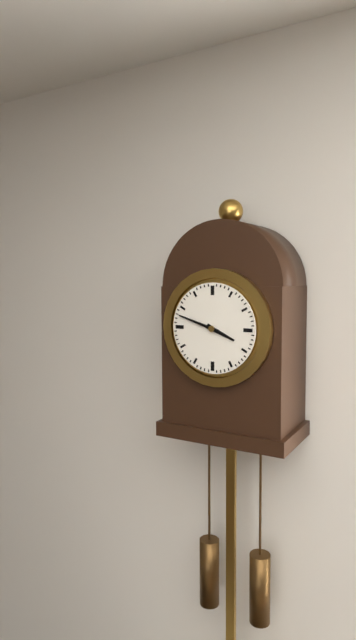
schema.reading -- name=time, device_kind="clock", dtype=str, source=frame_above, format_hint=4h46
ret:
3h48
